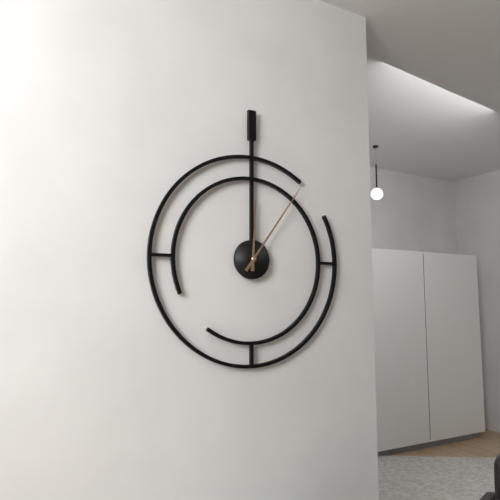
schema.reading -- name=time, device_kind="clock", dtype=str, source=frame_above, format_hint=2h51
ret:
12h06
